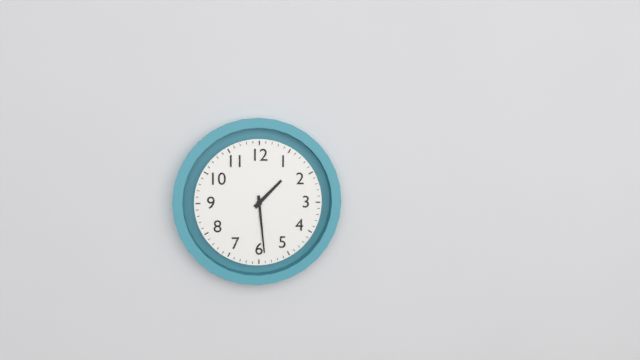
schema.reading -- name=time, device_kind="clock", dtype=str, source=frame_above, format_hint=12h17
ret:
1h29
